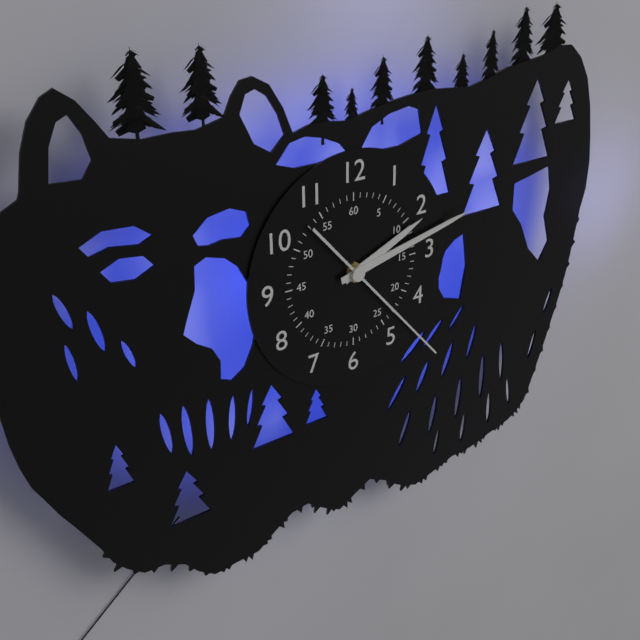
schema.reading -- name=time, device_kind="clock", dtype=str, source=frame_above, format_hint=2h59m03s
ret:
2h13m23s
